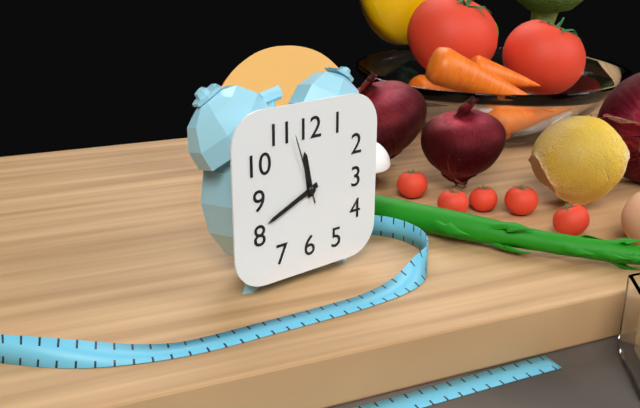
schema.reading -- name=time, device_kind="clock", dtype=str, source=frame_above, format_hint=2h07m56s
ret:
11h41m57s
